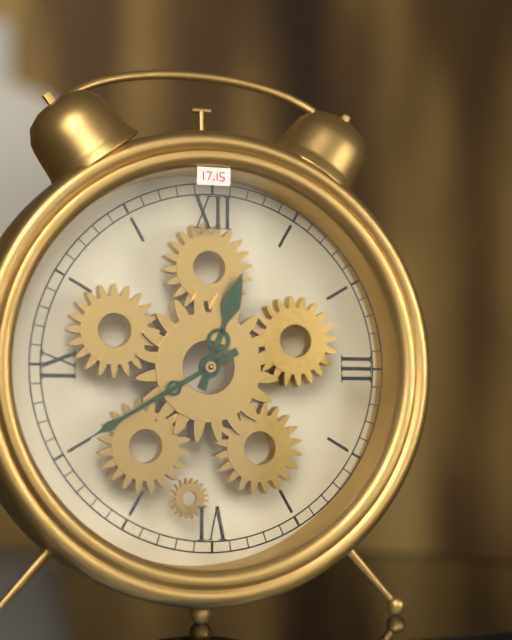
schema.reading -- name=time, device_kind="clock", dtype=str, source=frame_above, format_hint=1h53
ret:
12h40
